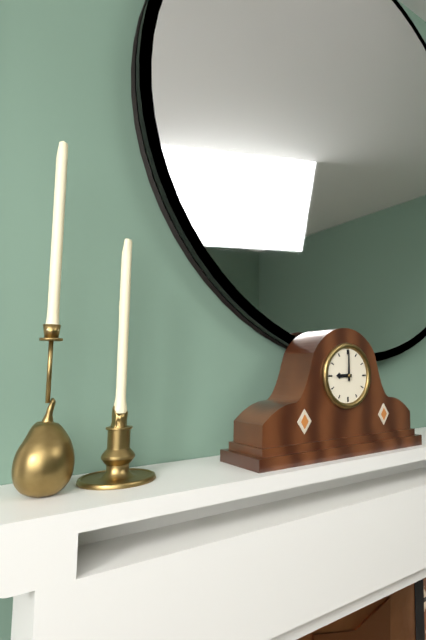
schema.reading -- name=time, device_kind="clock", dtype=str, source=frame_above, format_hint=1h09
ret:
9h00
